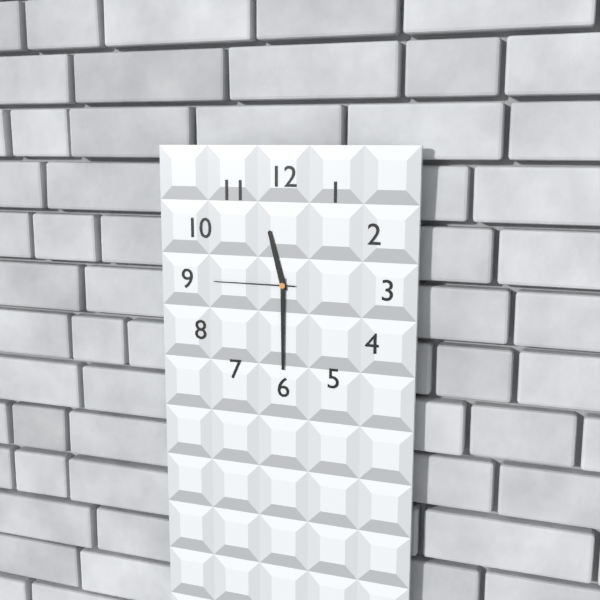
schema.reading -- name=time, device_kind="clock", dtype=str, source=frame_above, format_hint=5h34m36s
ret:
11h30m45s
